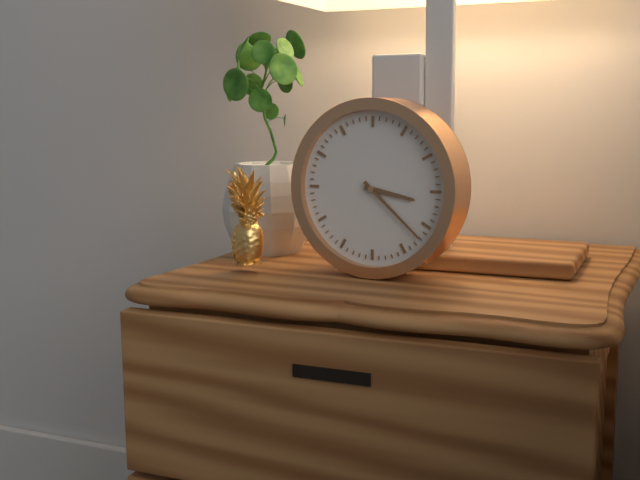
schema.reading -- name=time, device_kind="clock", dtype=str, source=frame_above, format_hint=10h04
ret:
3h22
